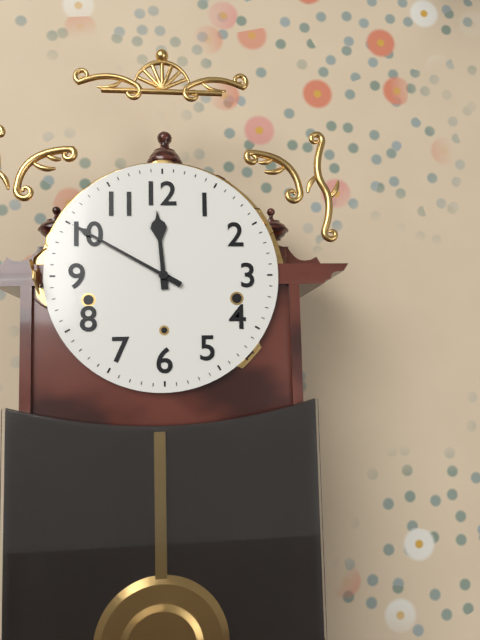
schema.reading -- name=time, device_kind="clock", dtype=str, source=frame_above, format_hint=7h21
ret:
11h50
